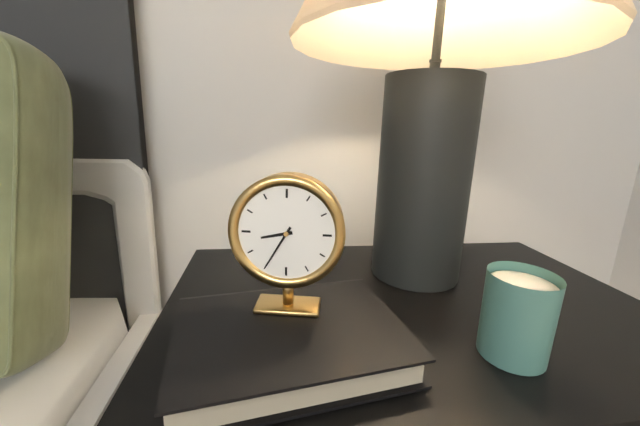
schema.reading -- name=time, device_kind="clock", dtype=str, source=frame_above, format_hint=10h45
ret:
8h35
